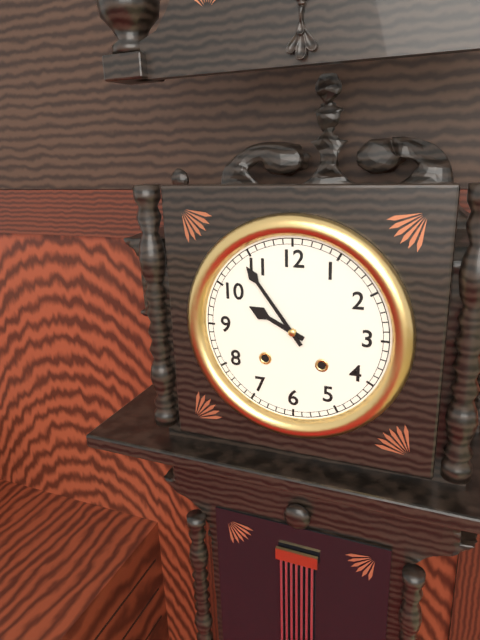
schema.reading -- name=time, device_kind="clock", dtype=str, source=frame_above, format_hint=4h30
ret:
9h54
